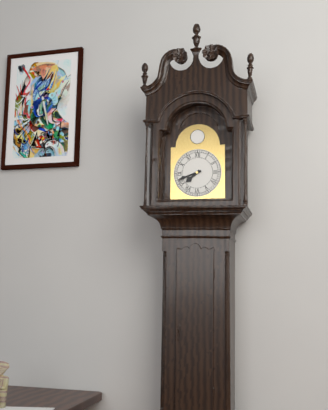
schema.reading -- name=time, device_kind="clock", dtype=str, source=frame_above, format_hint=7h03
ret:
7h42
